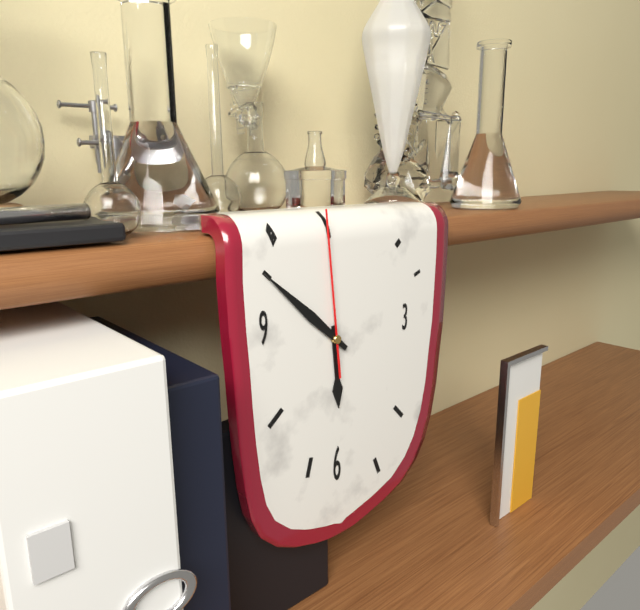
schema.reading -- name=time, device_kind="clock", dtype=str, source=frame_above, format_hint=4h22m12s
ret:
5h52m59s
